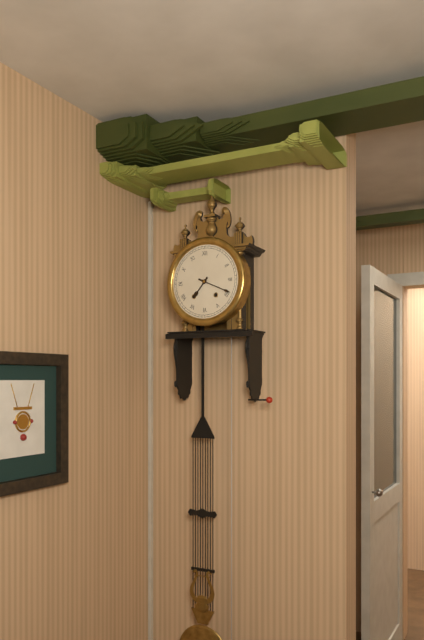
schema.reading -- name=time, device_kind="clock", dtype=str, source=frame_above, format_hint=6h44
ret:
7h19
